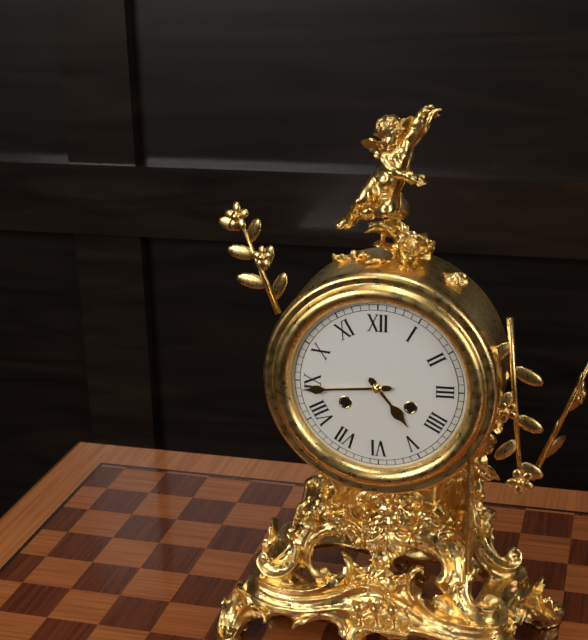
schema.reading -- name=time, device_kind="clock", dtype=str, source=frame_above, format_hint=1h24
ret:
4h44
